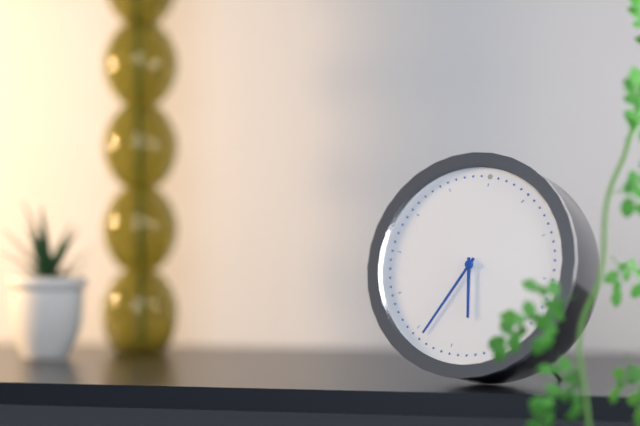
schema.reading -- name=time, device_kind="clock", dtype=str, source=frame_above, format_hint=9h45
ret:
5h34
